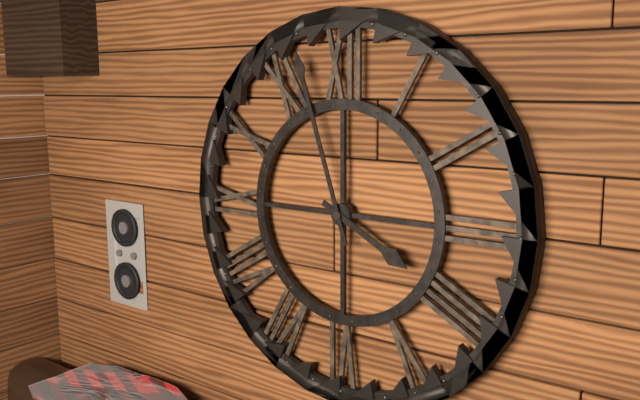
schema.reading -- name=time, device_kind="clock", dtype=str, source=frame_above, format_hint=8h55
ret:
3h57
